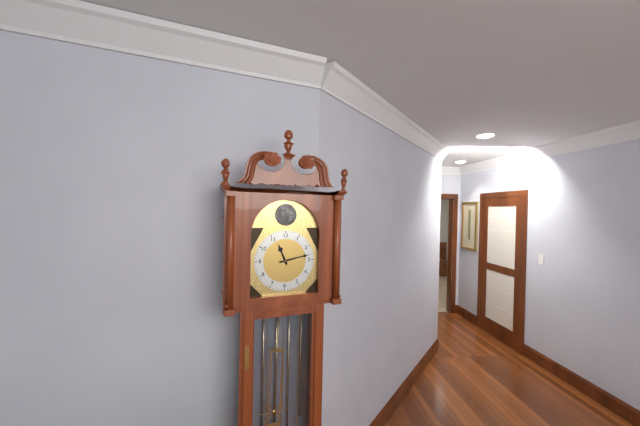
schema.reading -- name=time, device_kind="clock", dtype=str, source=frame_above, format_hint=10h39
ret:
11h13
